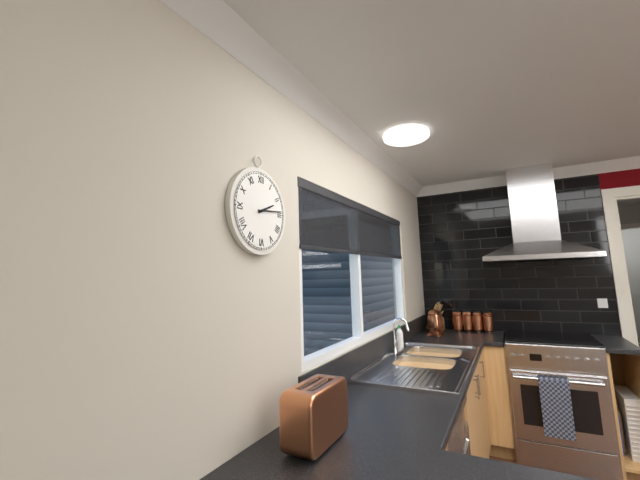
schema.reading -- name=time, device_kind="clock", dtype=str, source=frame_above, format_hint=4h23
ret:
2h14
